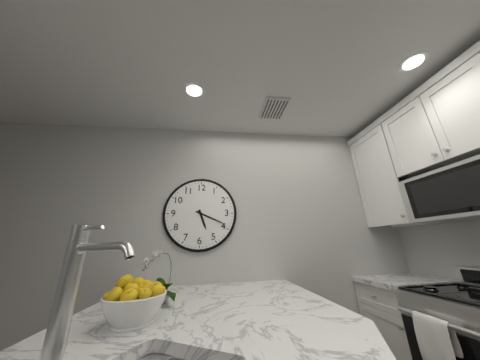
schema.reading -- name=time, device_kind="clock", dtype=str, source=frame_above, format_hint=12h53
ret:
5h19
